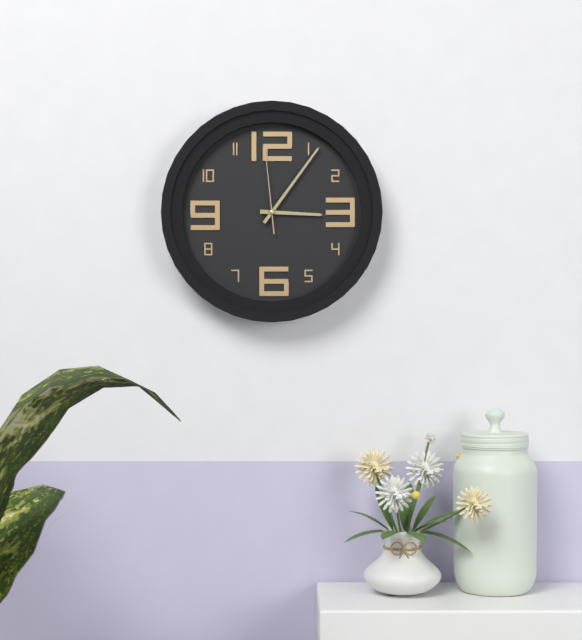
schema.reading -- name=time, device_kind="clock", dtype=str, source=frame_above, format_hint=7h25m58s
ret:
3h06m59s
